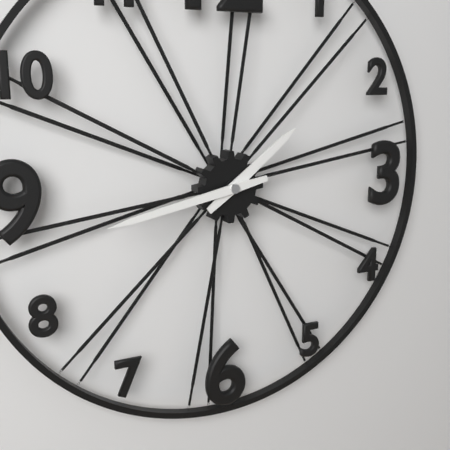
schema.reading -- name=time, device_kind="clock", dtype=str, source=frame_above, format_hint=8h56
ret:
1h43
